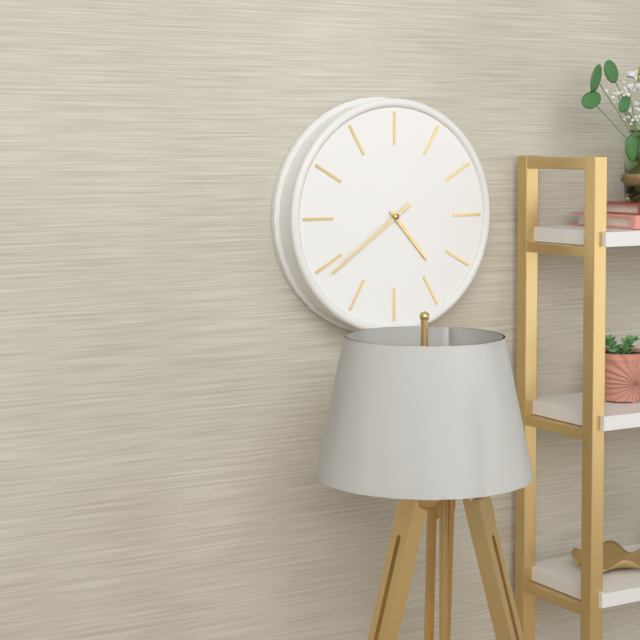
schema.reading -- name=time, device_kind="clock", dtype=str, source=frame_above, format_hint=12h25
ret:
4h39
